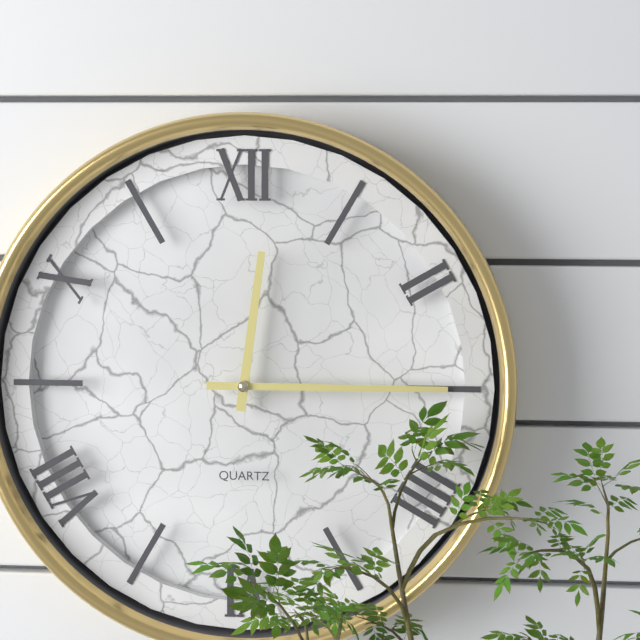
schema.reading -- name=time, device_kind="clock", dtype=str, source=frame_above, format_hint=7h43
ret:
12h15
